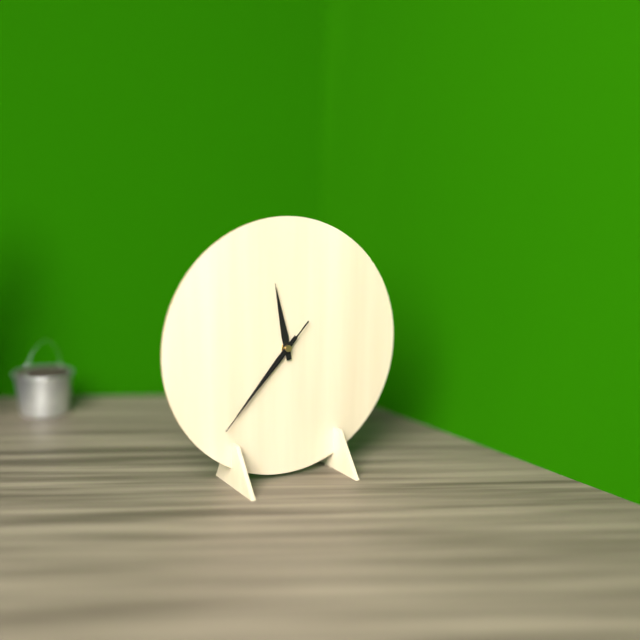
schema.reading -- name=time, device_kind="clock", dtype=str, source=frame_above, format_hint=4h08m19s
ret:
11h37m37s
